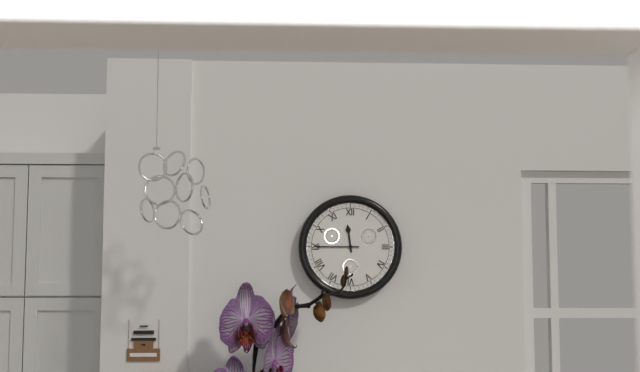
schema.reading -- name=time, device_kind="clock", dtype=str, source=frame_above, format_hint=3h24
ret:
11h45
